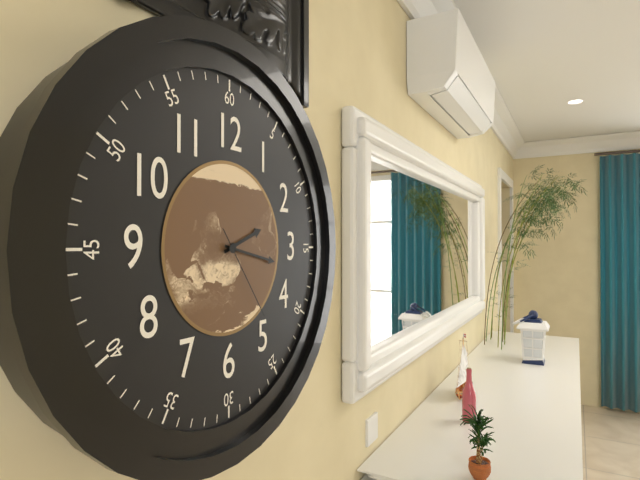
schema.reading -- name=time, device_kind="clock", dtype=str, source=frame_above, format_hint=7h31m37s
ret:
2h17m24s
